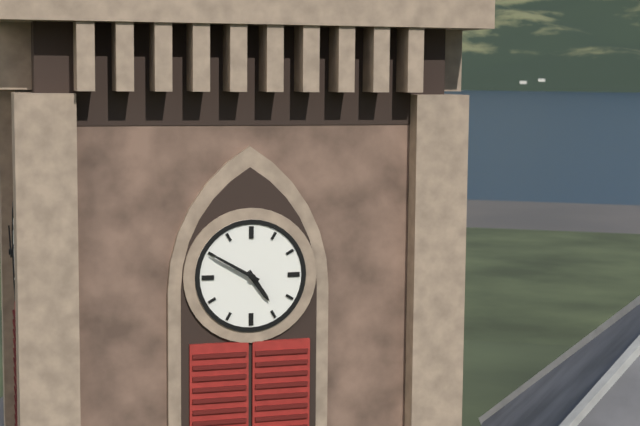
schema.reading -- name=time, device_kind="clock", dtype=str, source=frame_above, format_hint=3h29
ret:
4h50
